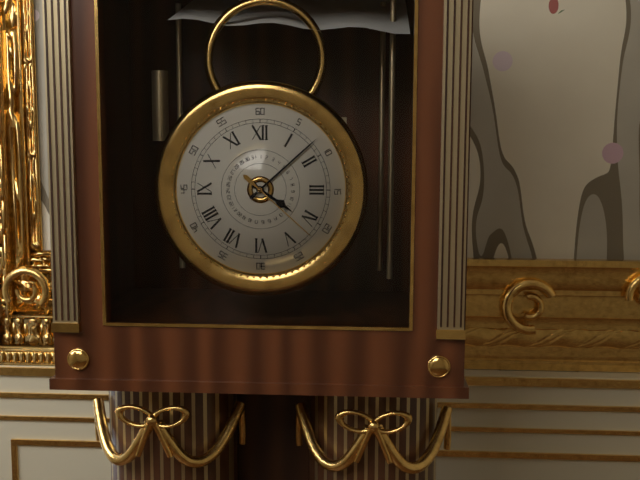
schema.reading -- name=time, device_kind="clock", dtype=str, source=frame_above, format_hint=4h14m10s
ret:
4h08m22s
